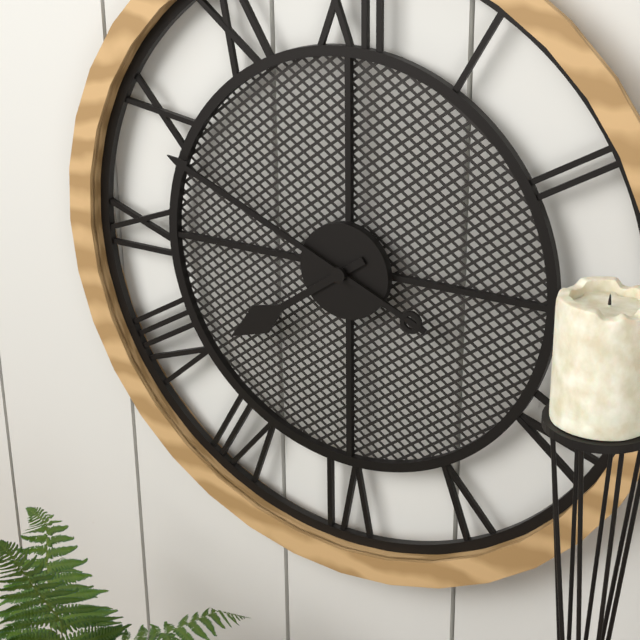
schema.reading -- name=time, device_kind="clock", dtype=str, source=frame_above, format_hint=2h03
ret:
7h49
